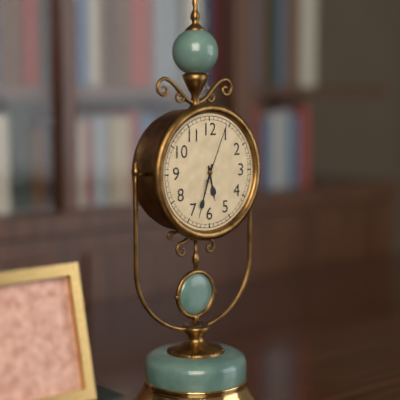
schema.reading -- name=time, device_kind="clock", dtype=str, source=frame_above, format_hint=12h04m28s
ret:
5h33m04s
